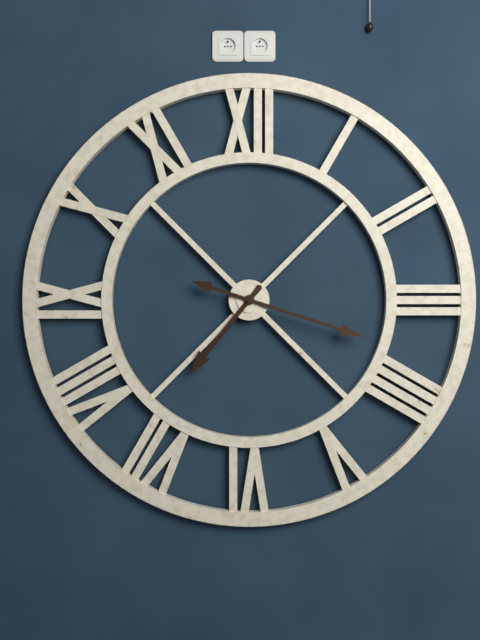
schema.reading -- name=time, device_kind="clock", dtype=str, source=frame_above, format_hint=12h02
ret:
7h18
